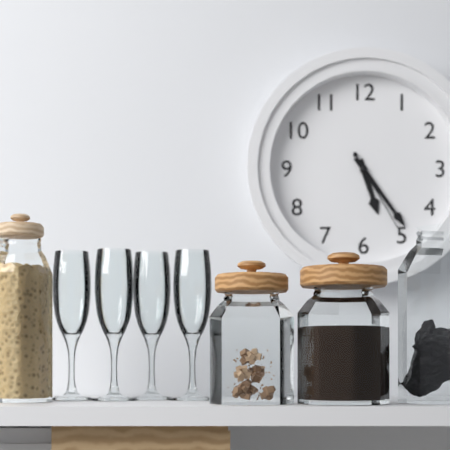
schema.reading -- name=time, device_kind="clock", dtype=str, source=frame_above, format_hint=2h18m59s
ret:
5h24m25s
